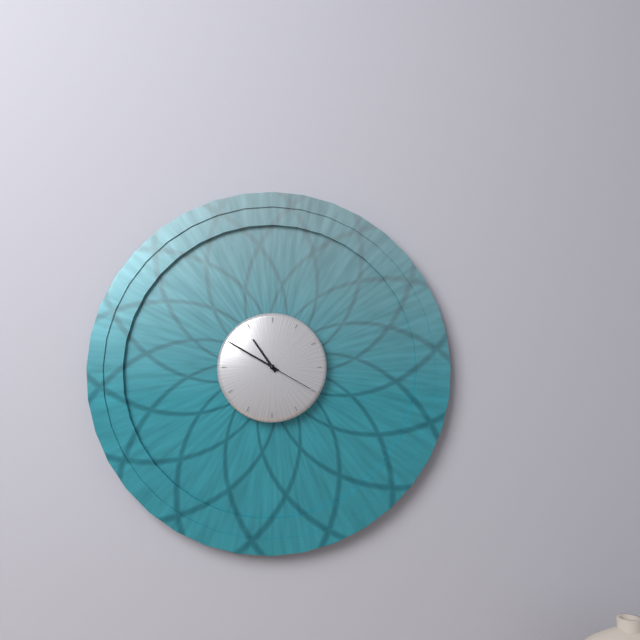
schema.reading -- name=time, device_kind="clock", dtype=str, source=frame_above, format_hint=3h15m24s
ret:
10h50m20s
